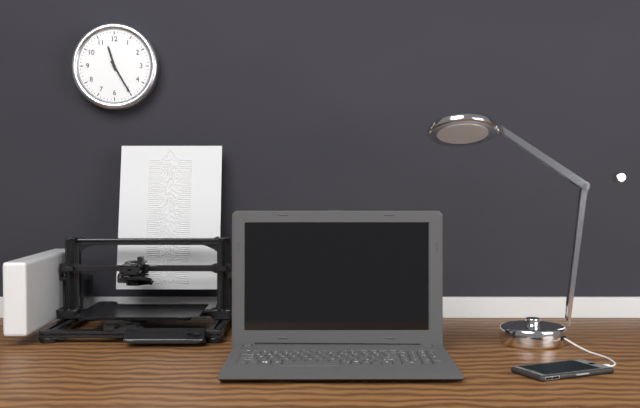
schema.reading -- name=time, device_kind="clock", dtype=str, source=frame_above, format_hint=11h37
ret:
11h25
